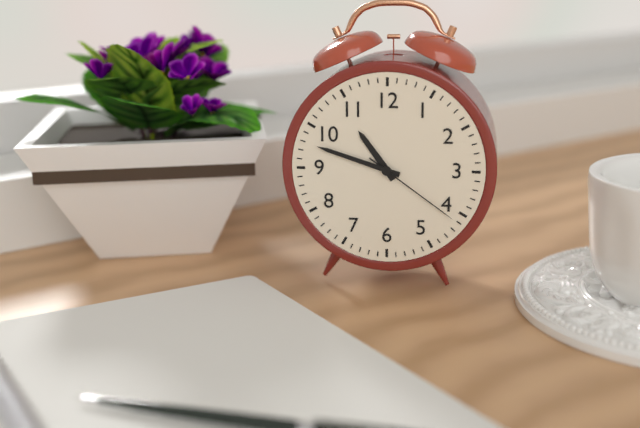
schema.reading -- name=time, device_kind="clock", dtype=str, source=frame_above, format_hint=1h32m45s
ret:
10h48m21s
